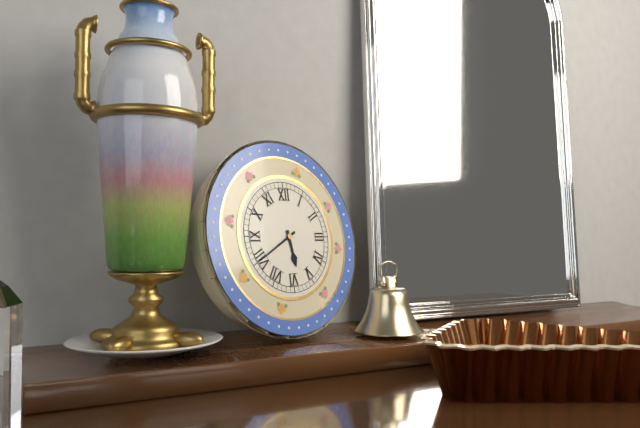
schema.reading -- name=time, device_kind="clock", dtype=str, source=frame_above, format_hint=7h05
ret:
5h40
